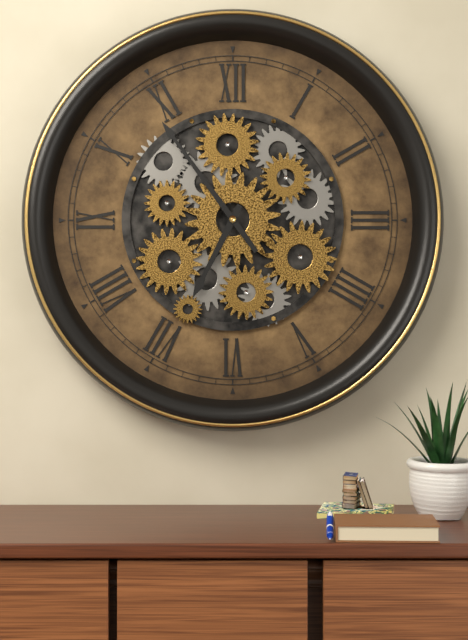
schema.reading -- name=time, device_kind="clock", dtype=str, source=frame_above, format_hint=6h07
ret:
6h54
